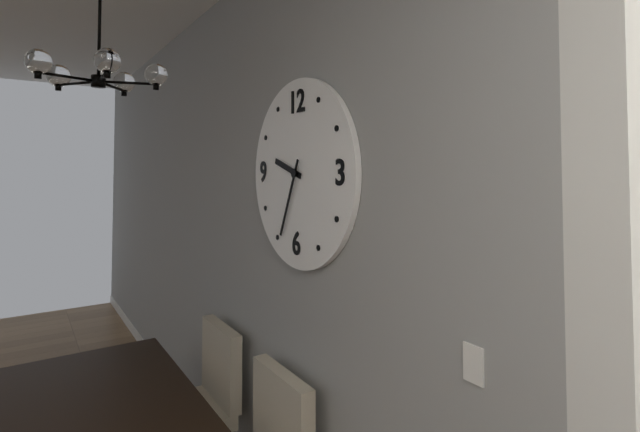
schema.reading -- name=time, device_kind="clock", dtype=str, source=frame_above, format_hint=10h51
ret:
9h34
